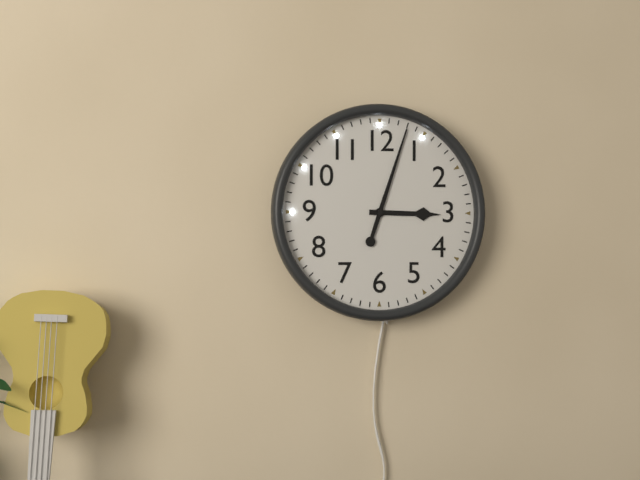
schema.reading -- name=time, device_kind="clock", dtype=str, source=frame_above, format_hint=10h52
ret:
3h03
